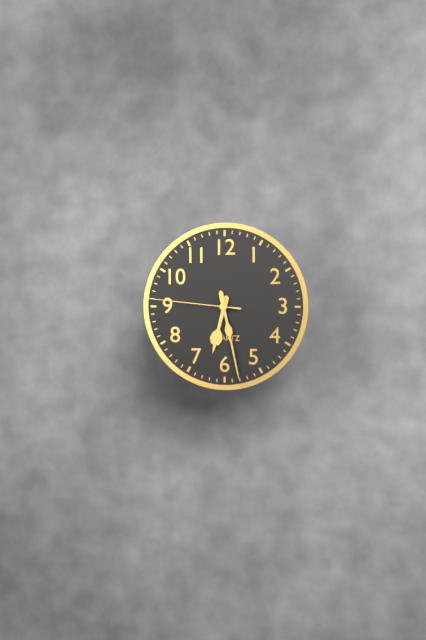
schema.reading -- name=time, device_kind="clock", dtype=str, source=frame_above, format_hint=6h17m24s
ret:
6h28m46s
